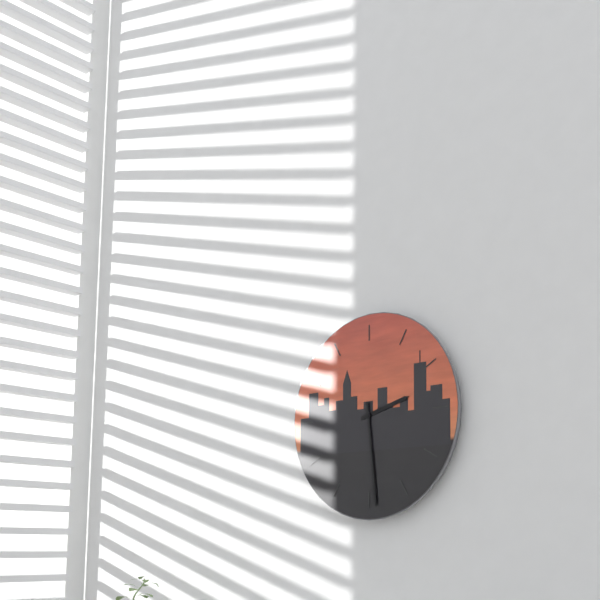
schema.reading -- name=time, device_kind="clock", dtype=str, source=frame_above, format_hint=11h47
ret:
2h29
